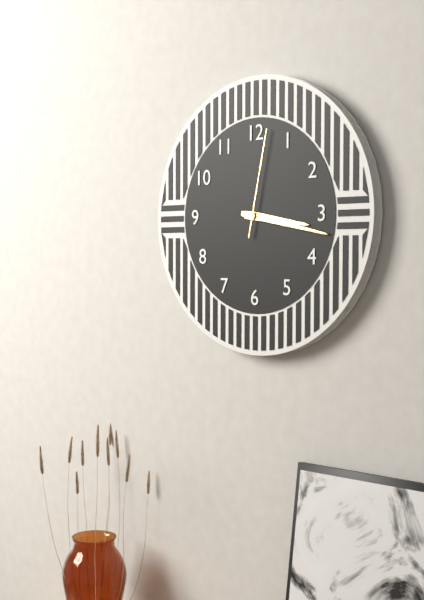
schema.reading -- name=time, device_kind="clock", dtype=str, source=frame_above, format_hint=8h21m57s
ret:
3h17m02s
